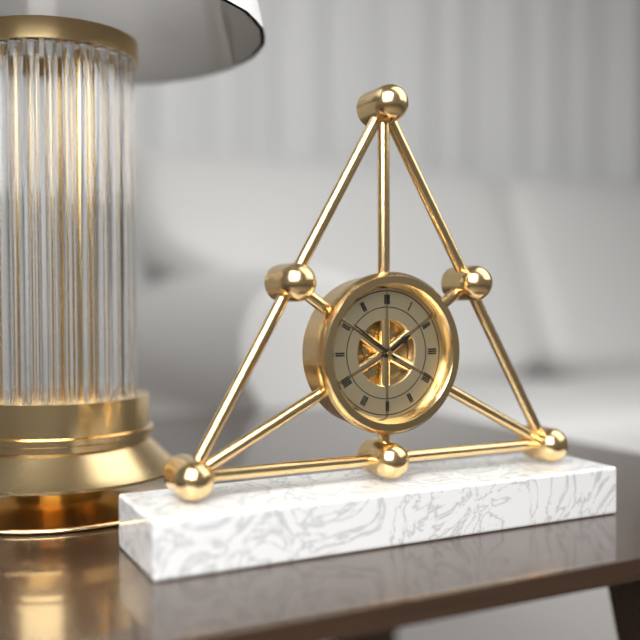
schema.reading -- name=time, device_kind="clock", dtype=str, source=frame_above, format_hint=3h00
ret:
1h51
